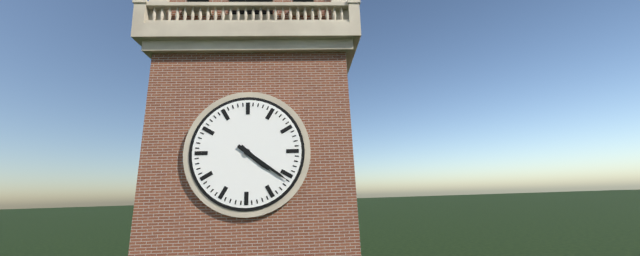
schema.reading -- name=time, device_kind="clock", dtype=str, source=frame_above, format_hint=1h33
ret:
4h21
